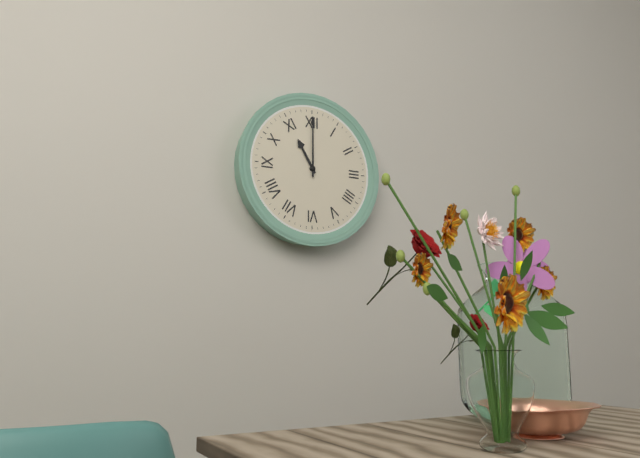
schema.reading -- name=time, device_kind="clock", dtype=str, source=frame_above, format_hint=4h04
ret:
11h00
